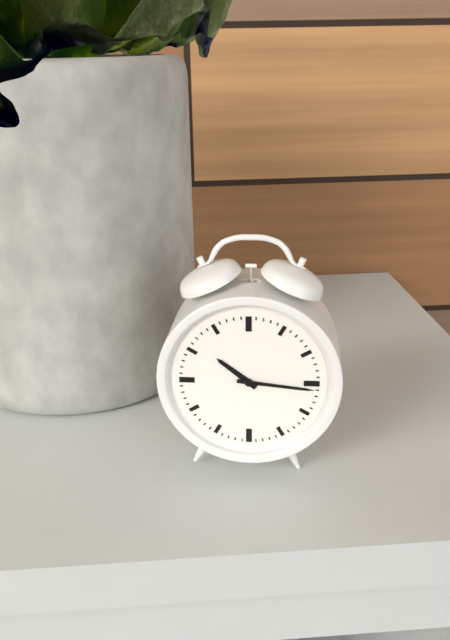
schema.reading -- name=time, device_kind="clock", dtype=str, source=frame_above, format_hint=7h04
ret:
10h16
